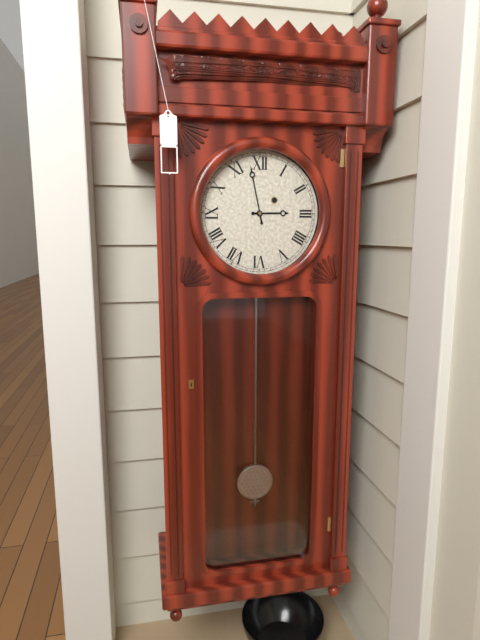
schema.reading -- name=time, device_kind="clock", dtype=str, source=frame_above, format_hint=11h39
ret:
2h58
